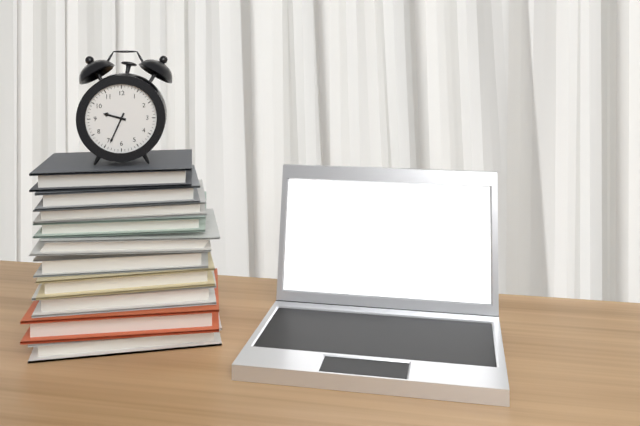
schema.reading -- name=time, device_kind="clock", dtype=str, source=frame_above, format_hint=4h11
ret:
9h34
